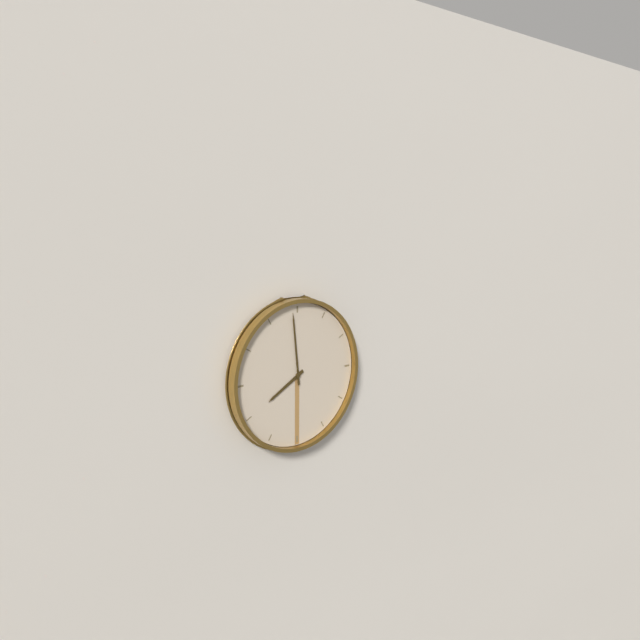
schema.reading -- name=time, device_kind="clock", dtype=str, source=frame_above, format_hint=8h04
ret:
7h59
